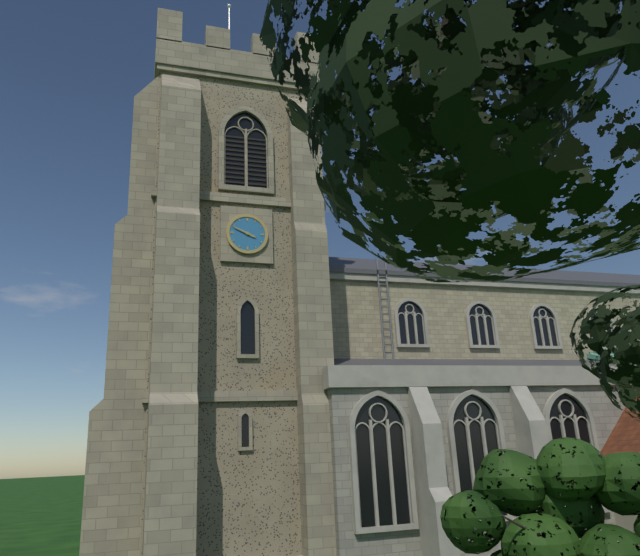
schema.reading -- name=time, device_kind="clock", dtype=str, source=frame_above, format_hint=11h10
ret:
3h49
